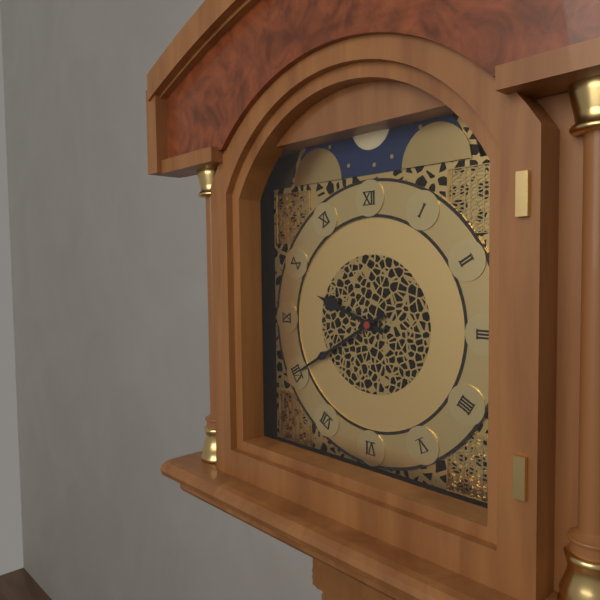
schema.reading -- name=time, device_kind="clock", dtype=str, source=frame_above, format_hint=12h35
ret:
9h40
